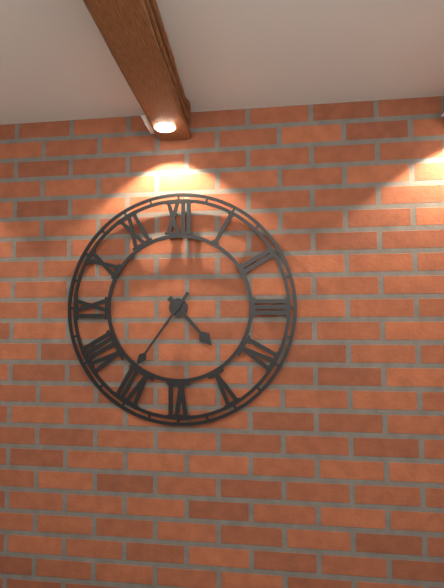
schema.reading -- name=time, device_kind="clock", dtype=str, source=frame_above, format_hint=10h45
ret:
4h36
